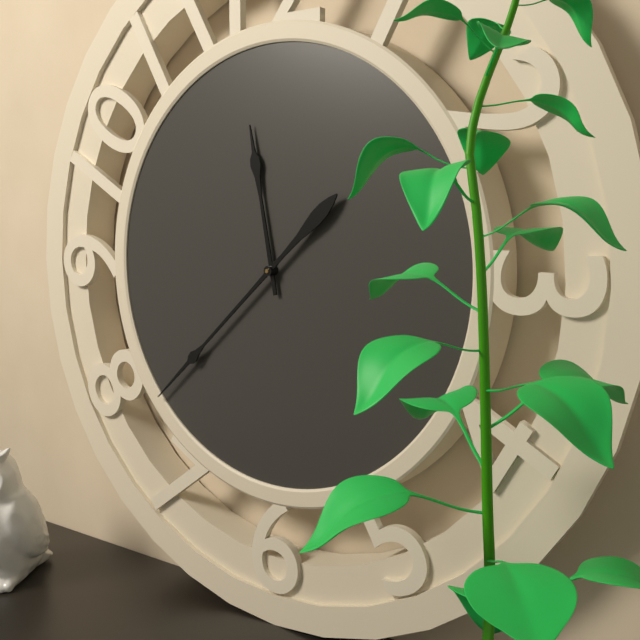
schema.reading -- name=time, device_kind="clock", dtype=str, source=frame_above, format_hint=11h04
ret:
11h38
